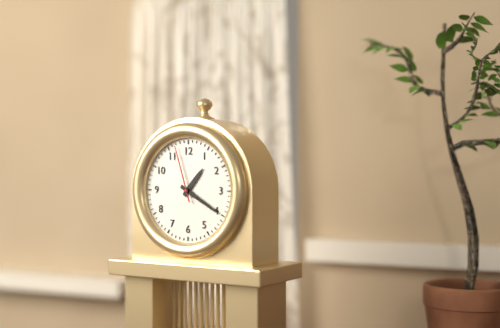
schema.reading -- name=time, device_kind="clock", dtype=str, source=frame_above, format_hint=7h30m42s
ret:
1h20m57s
